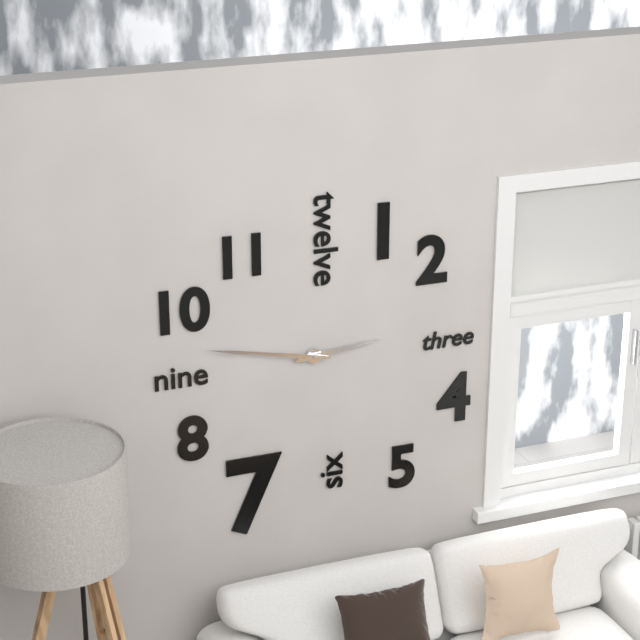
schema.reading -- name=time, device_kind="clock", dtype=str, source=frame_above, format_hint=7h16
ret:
2h47
